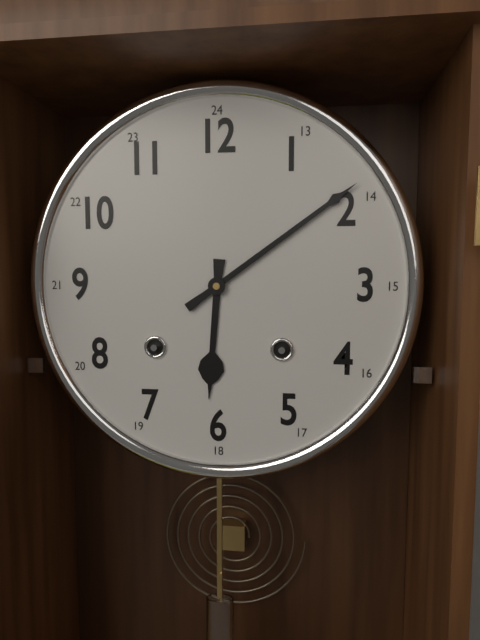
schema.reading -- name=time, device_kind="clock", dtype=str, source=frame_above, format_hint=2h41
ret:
6h09
